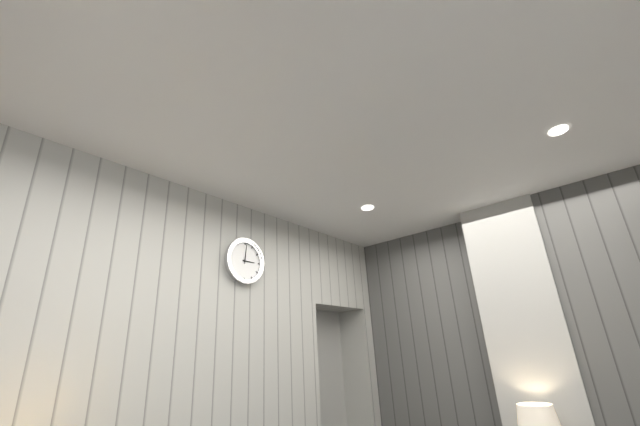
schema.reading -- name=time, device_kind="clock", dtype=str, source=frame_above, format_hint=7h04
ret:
3h01
